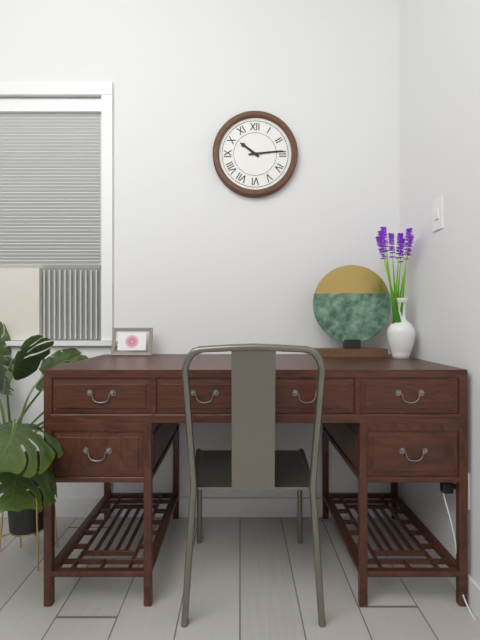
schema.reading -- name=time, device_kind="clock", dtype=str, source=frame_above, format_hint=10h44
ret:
10h14
